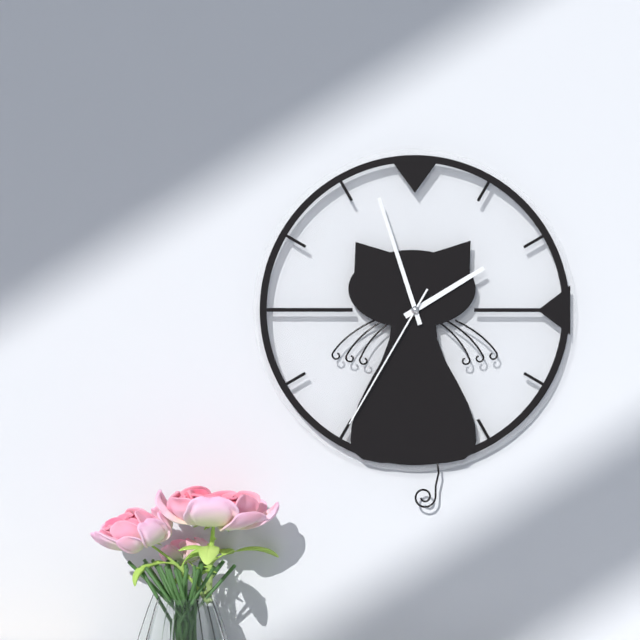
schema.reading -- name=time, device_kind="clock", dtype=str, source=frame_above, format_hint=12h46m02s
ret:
1h57m35s
